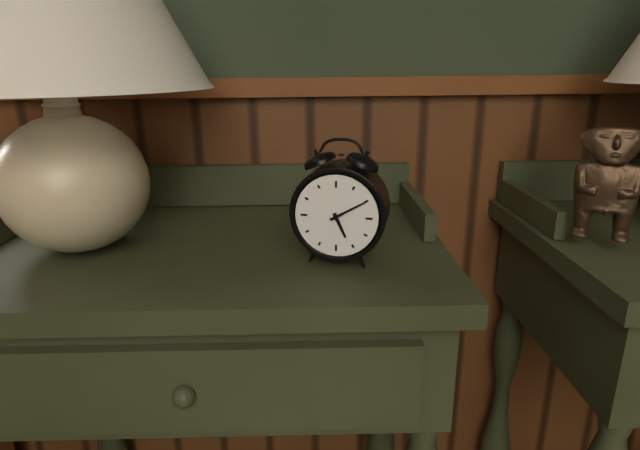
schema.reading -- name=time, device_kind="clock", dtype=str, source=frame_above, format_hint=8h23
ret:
5h10
